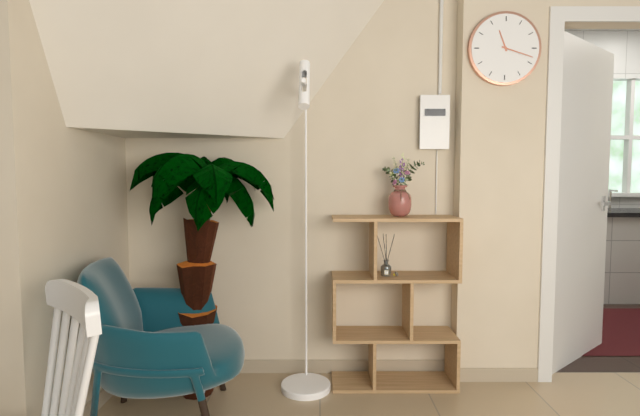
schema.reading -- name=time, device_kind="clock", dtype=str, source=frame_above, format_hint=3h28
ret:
11h18
